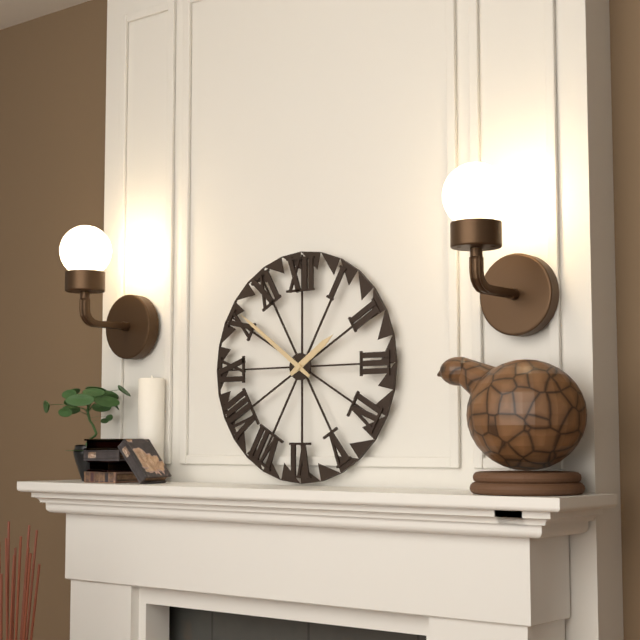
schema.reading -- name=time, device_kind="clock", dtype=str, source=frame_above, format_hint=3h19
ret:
1h51
